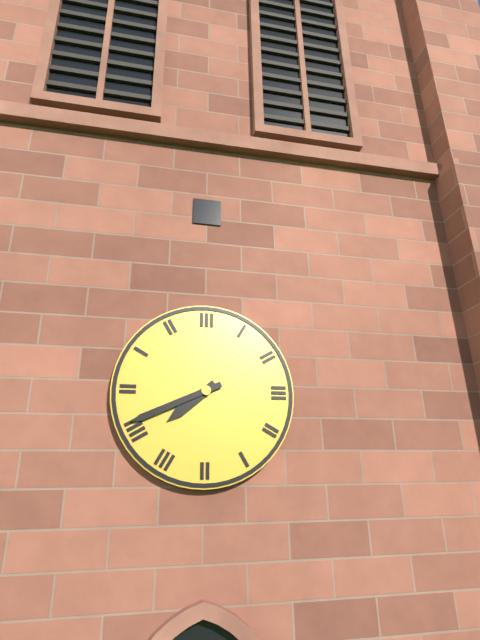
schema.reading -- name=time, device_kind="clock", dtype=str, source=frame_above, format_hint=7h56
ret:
7h41
